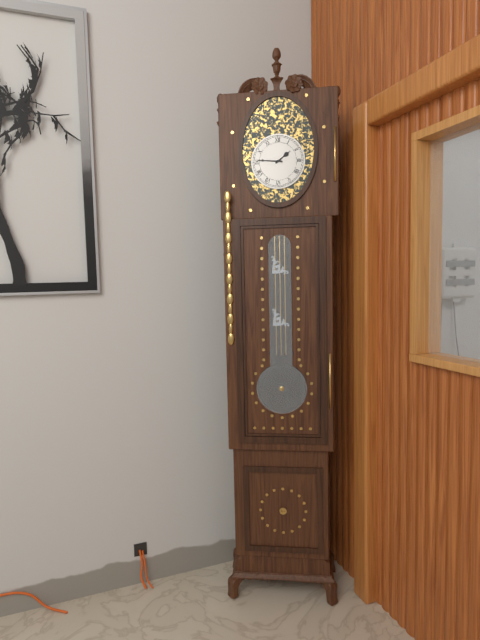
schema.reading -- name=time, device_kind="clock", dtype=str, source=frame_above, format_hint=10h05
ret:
1h46
